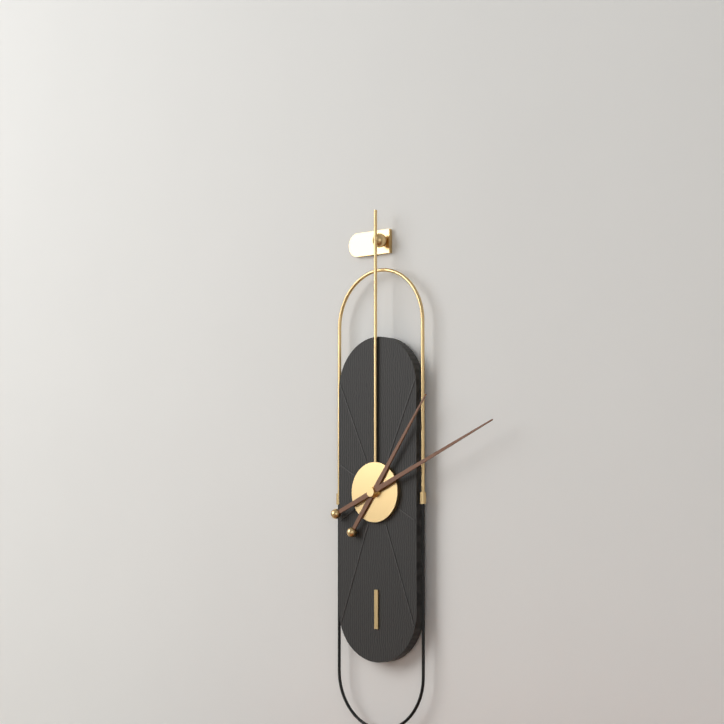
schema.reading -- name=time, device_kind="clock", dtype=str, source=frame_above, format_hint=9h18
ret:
1h11
